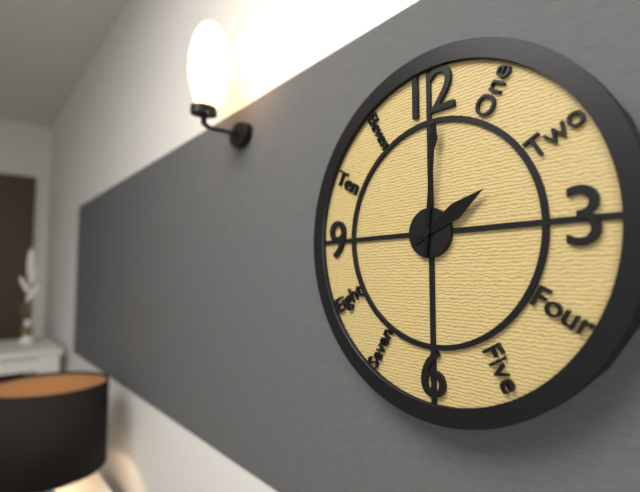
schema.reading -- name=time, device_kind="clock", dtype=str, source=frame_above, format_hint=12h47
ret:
2h01
